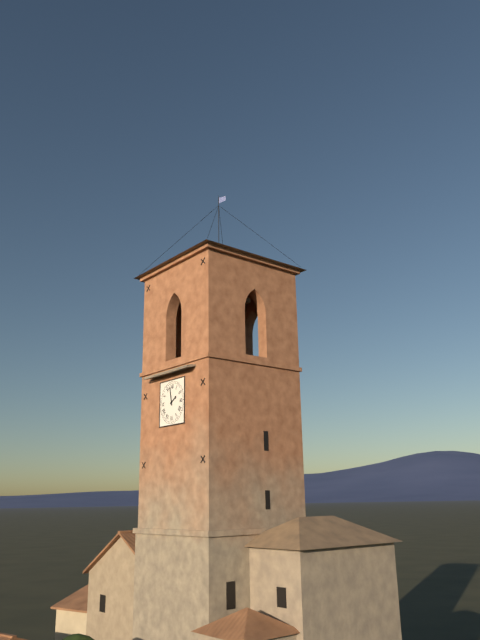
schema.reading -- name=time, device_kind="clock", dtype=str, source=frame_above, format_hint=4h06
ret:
1h58
